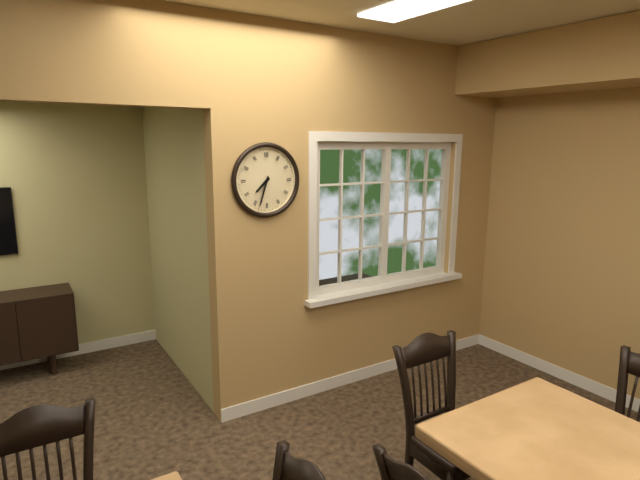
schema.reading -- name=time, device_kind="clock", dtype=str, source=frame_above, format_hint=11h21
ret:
7h33
